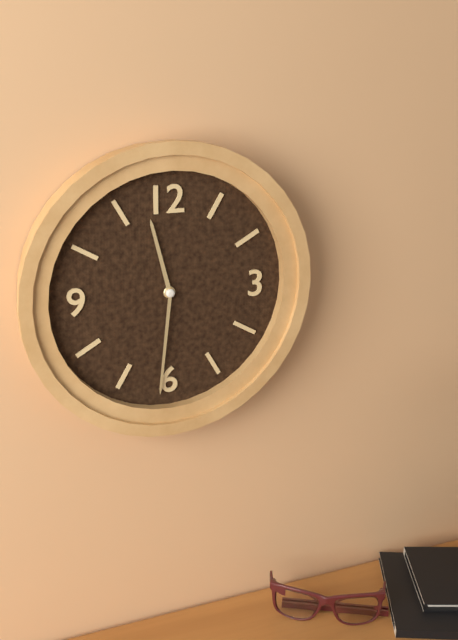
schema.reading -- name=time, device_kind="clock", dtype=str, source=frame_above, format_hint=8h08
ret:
11h31
